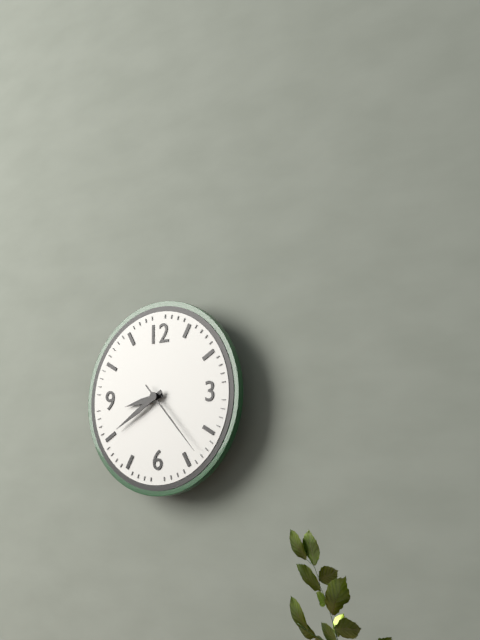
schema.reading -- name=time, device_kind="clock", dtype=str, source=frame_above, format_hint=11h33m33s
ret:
8h40m23s
